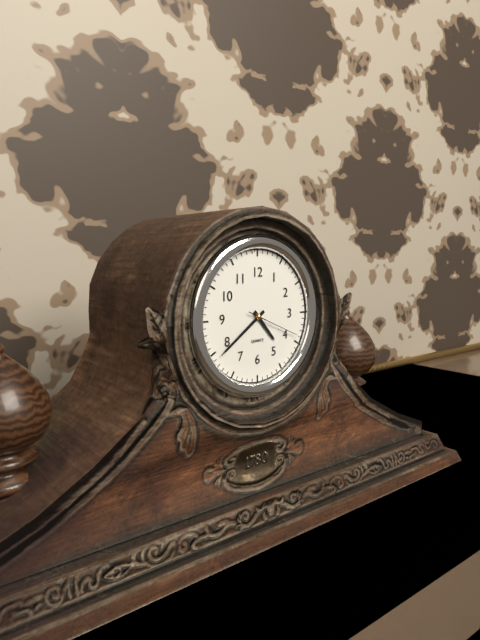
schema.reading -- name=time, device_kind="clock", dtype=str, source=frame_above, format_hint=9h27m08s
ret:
4h39m19s
